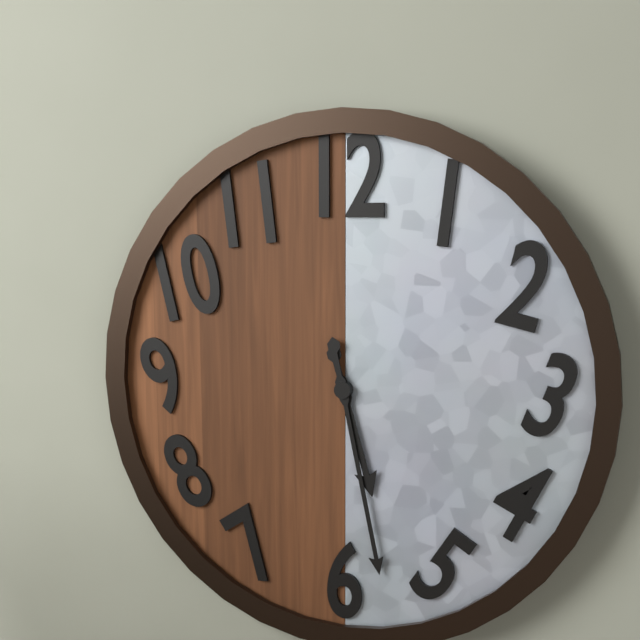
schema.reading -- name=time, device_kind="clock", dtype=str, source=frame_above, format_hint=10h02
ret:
5h28
